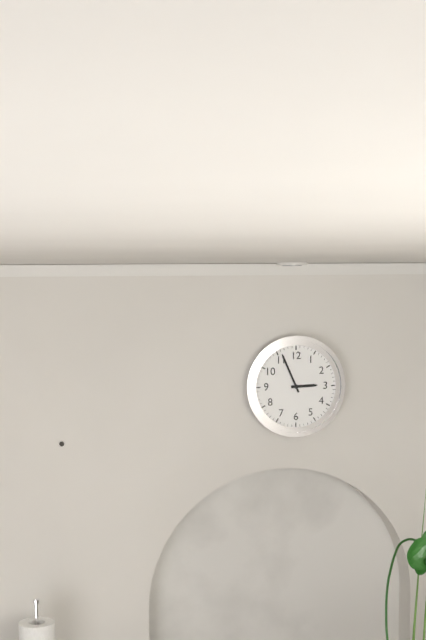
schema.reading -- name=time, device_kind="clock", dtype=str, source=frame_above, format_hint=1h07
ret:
2h56
